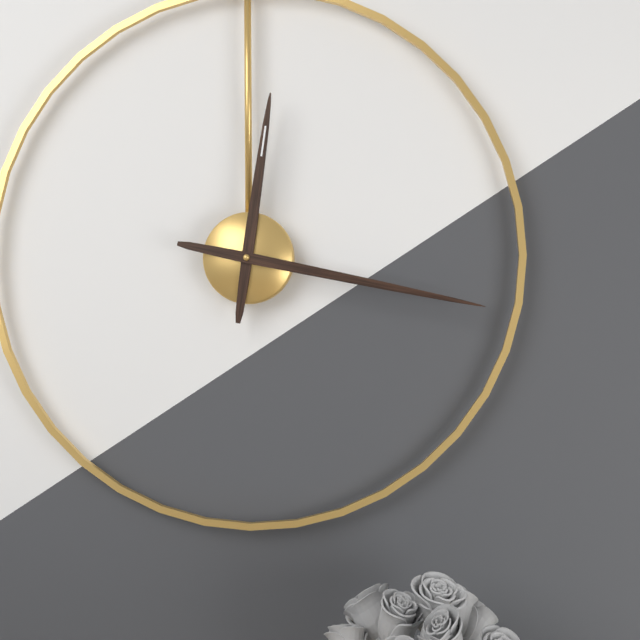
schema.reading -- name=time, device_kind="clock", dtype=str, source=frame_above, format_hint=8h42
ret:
12h17
